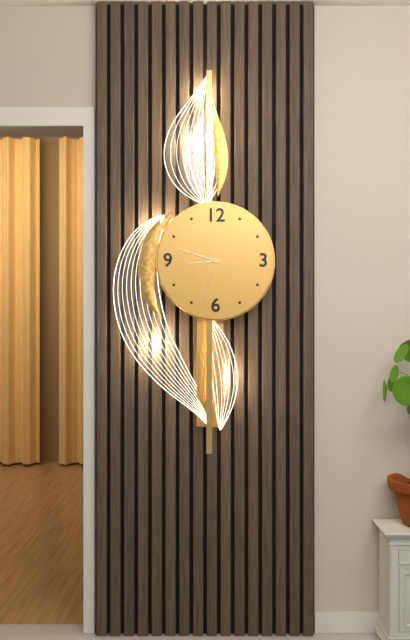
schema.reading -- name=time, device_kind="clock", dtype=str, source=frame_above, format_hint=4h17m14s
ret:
8h48m33s
